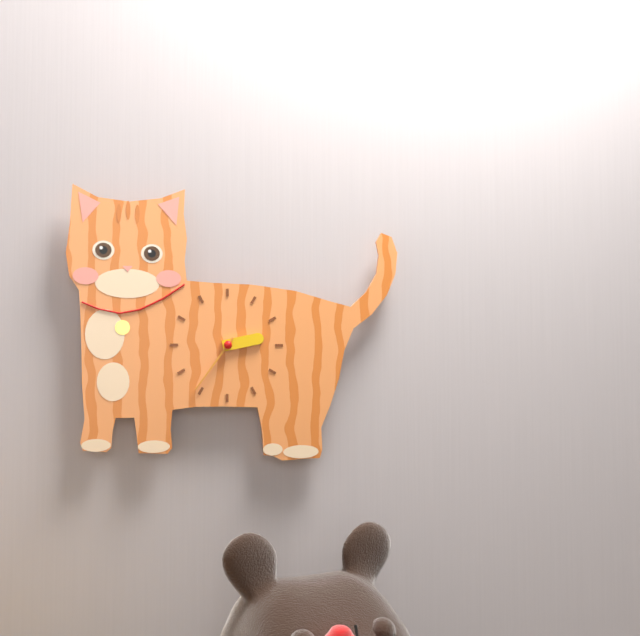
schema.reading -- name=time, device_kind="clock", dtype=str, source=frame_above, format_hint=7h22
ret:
2h36
